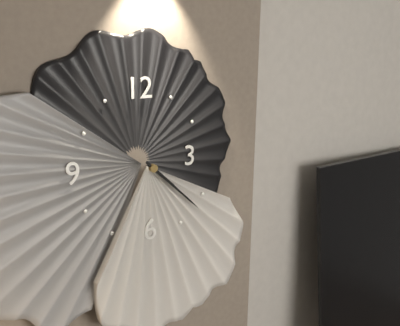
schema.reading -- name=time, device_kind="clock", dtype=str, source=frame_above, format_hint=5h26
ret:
4h22
